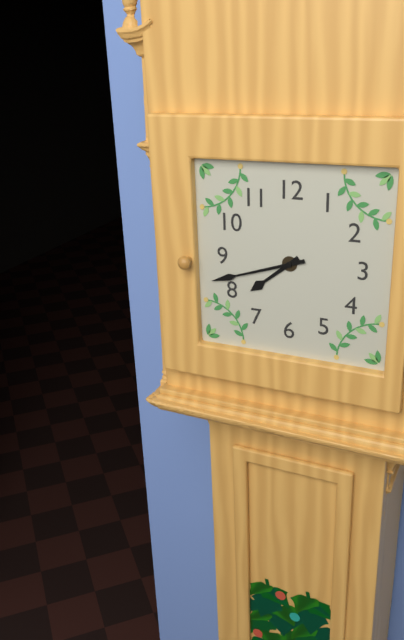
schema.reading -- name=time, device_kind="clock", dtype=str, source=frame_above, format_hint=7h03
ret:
7h42
